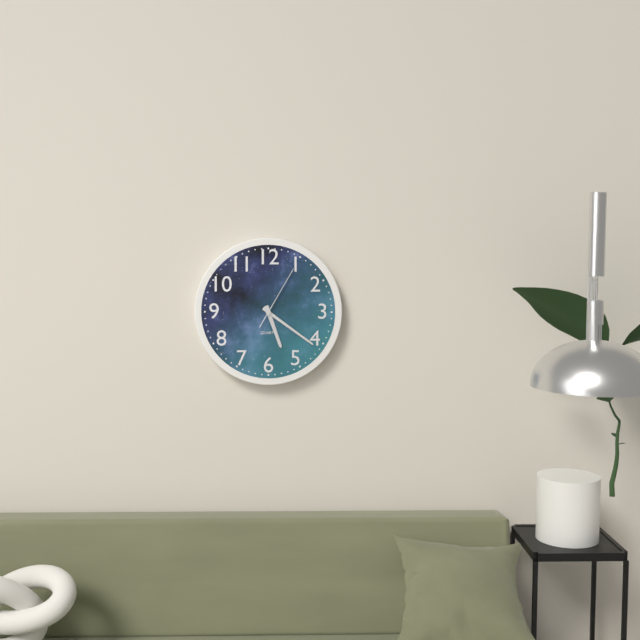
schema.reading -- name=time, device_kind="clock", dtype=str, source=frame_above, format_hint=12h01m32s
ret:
5h21m05s
